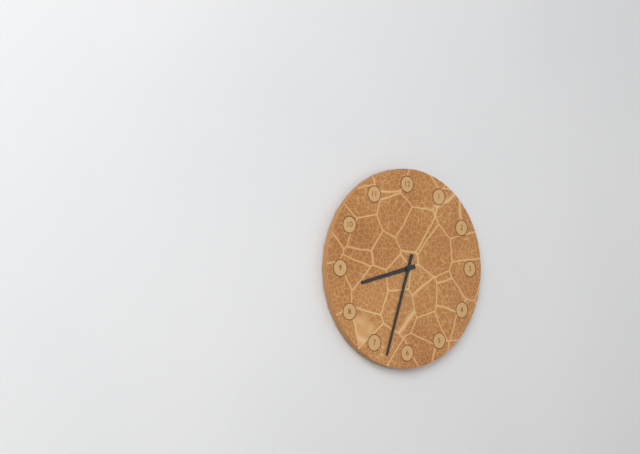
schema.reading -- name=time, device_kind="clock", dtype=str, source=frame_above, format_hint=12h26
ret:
8h33
